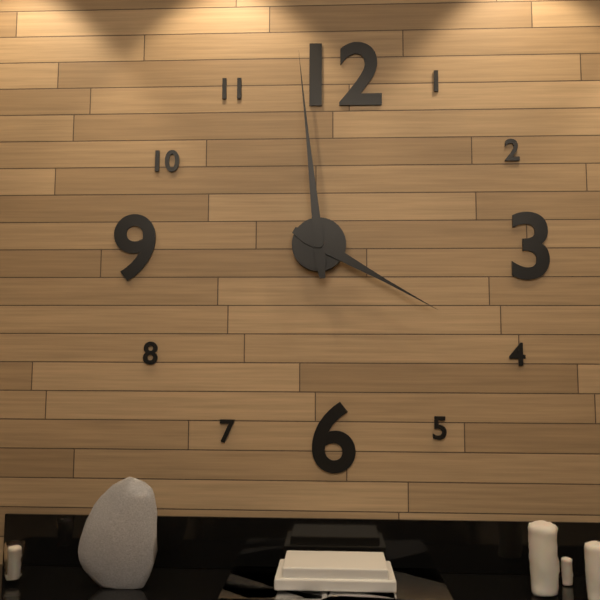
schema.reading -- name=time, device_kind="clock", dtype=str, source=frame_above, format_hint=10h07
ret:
3h59
